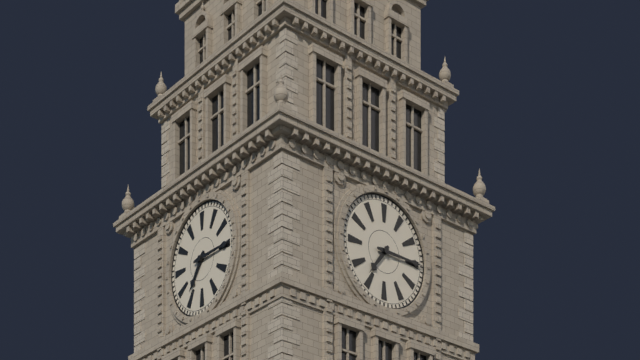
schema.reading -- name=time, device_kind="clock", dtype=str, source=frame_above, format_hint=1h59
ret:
7h15
